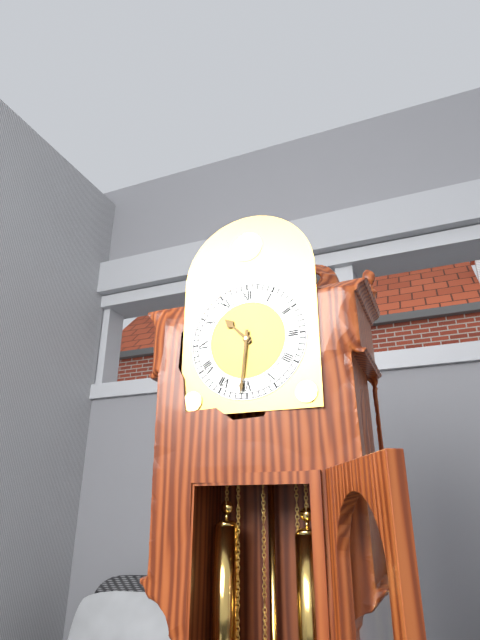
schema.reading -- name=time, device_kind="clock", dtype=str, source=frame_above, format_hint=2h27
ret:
10h31
